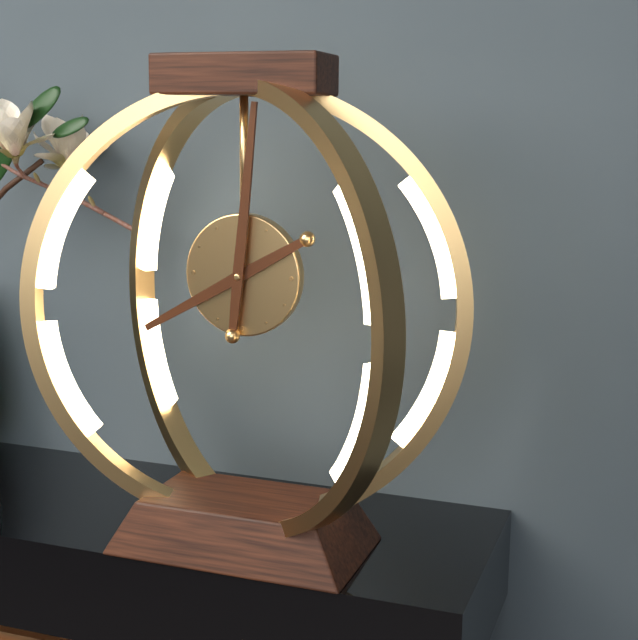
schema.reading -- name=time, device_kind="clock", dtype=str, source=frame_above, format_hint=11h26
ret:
8h01
